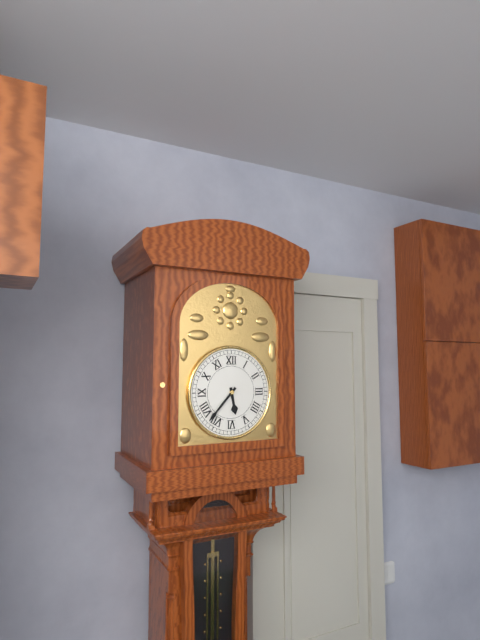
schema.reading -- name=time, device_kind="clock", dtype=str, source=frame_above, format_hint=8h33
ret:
5h37
